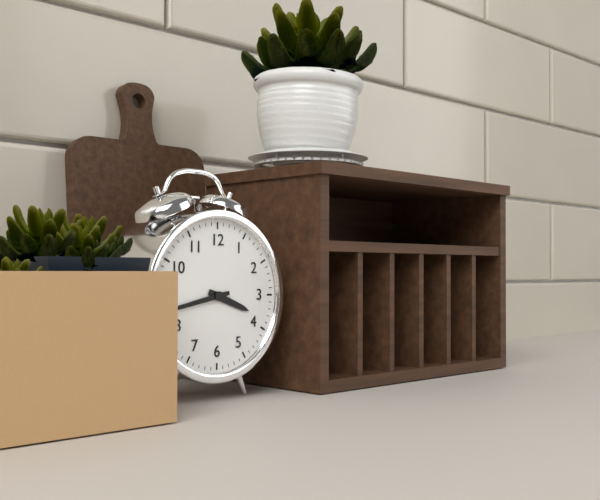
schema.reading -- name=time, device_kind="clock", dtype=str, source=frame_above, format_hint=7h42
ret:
3h43
